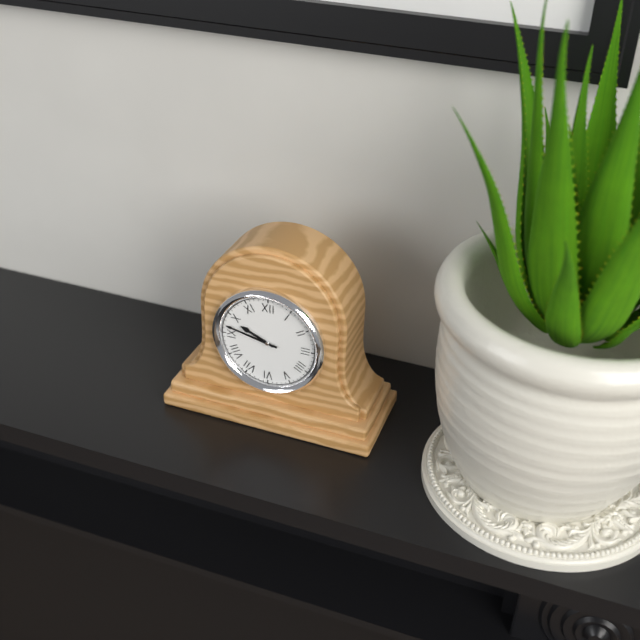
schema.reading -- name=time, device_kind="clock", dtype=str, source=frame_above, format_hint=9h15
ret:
9h47
